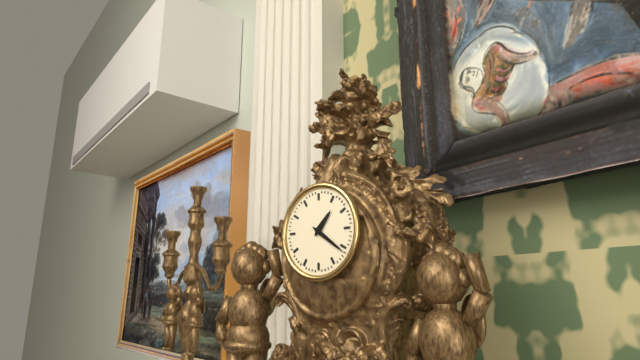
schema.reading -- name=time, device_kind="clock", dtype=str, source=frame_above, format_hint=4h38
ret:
1h21
